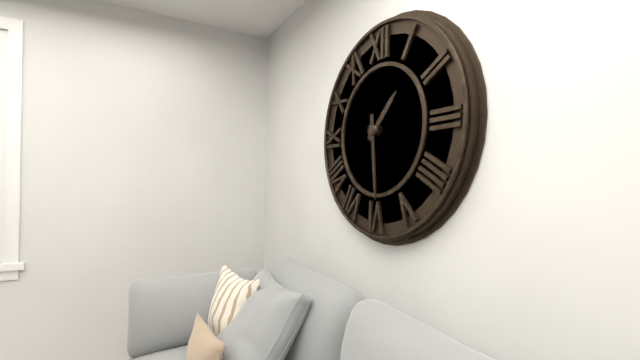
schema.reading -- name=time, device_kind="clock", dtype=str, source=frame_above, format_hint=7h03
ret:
1h29
